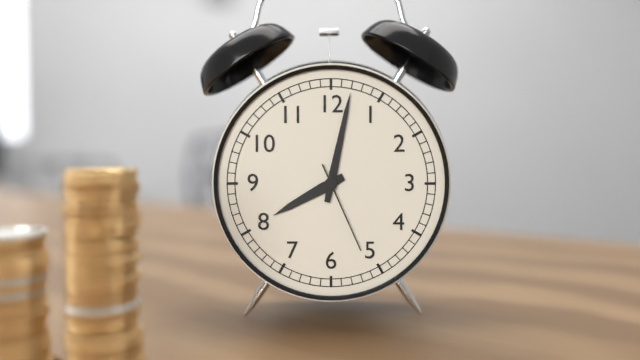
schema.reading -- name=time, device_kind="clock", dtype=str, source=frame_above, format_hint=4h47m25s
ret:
8h02m26s
